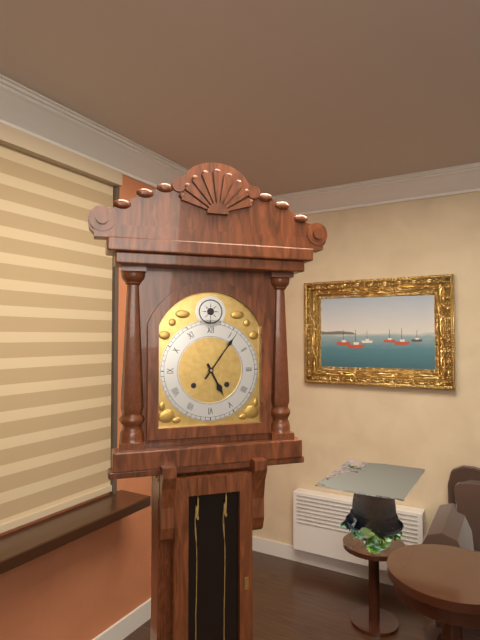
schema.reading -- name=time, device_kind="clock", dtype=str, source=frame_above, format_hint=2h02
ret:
5h06
